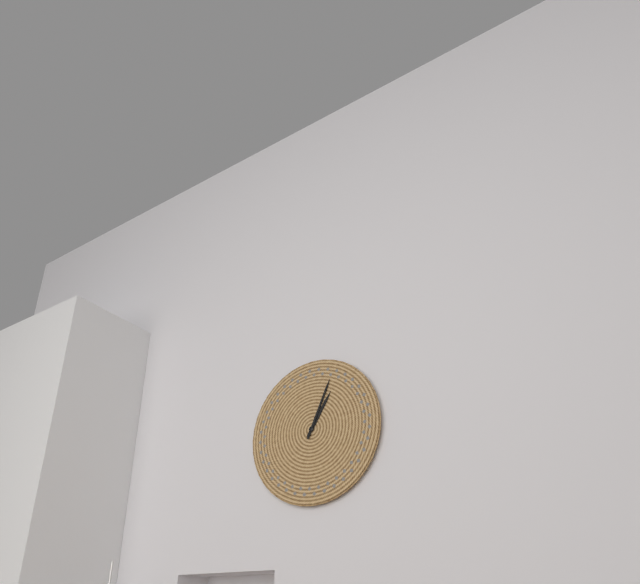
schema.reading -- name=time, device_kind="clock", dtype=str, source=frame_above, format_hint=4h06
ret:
1h04
